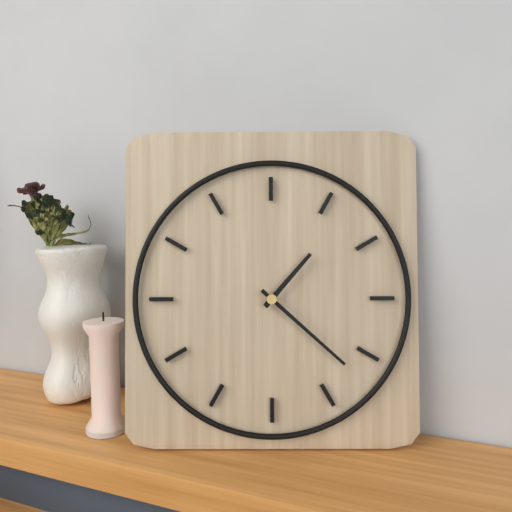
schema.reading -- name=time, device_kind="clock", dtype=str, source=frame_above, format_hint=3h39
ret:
1h22
